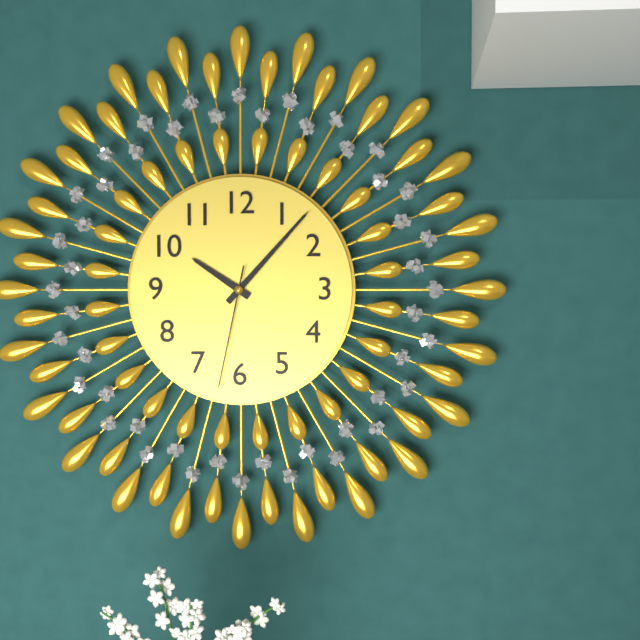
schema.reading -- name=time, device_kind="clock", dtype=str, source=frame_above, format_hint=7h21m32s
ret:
10h07m32s
